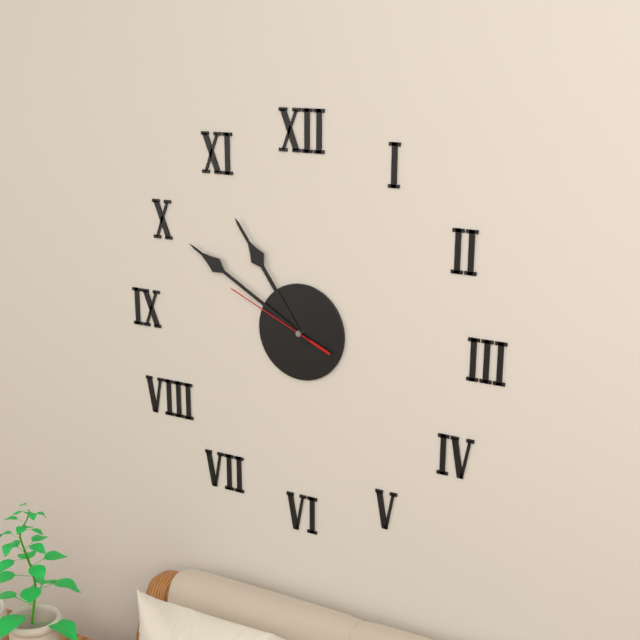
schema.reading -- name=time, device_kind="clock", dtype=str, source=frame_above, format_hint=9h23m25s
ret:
10h50m49s
